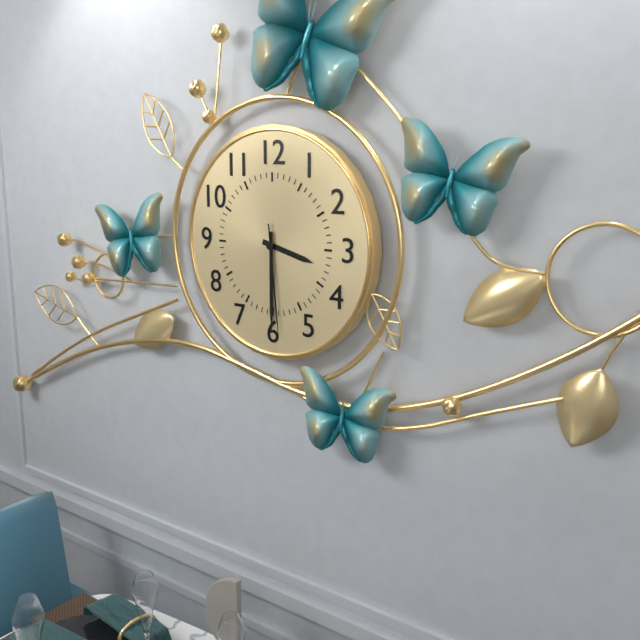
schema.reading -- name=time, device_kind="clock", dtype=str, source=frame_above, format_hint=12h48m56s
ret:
3h30m29s
